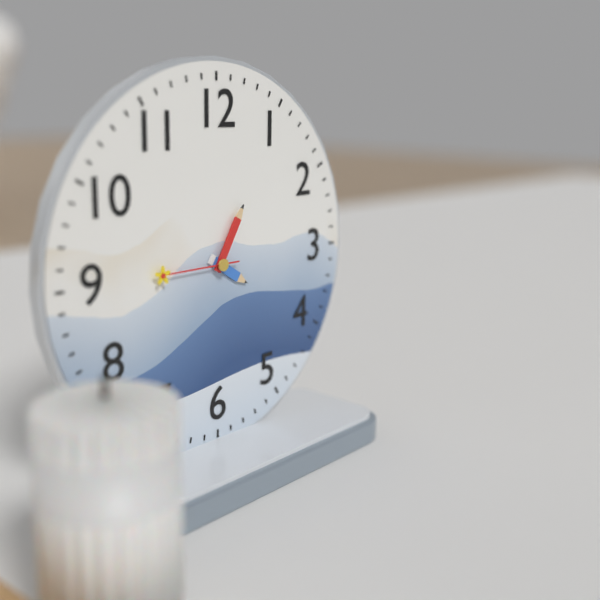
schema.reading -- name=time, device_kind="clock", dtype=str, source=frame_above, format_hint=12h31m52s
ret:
4h05m45s
